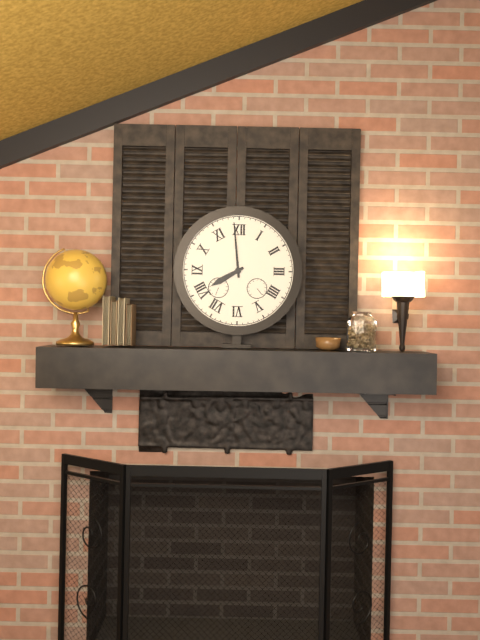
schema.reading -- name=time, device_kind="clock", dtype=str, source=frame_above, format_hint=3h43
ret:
7h59
